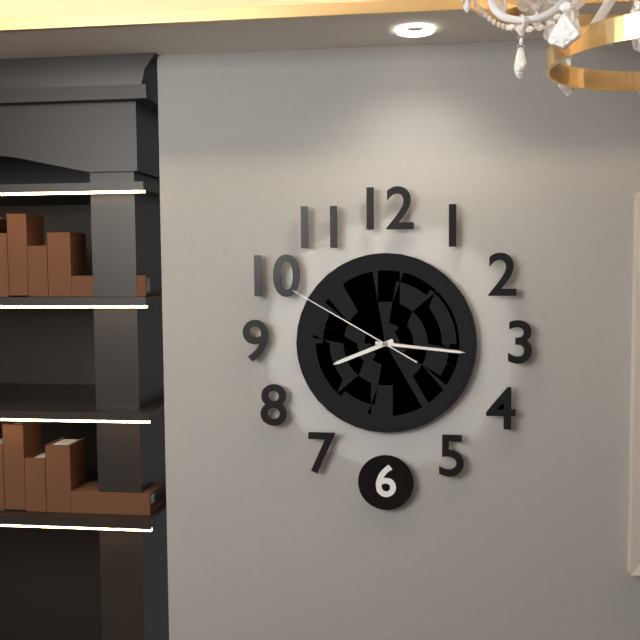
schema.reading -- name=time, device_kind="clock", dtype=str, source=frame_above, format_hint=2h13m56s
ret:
8h16m50s
